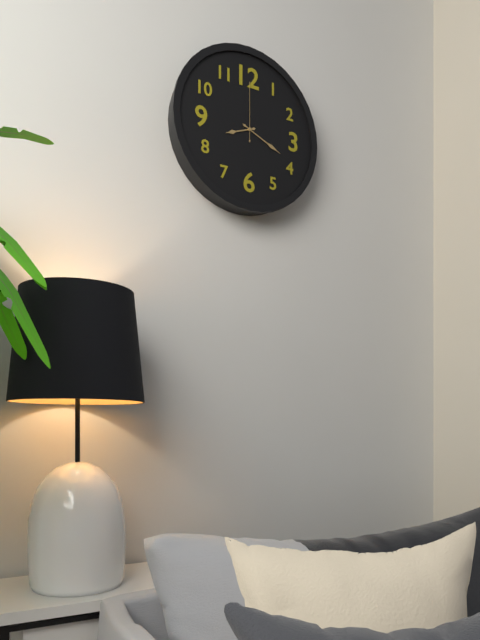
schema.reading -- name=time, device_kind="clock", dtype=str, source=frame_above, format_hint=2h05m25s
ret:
8h19m00s
